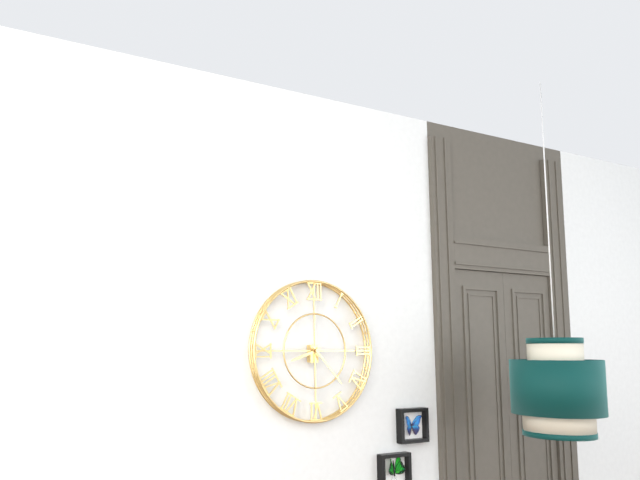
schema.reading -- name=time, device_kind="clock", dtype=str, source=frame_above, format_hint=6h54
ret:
8h23
